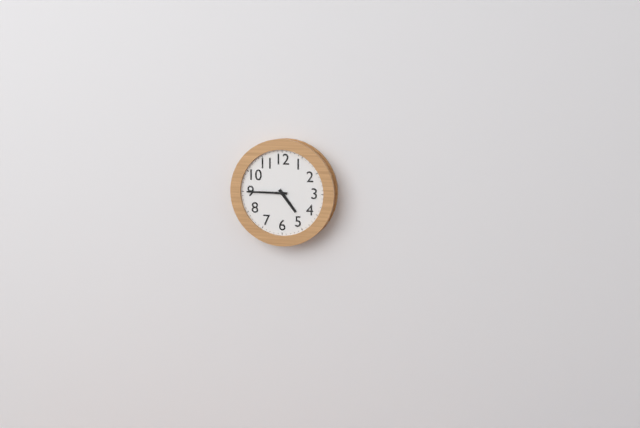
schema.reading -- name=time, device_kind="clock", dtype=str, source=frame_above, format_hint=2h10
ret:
4h45
